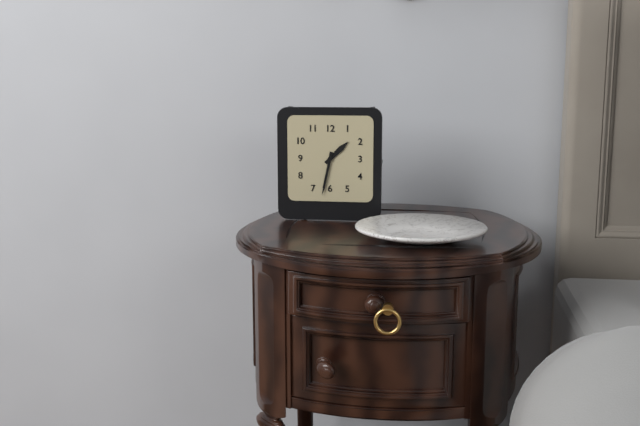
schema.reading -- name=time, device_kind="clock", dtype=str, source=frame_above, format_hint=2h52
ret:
1h32
